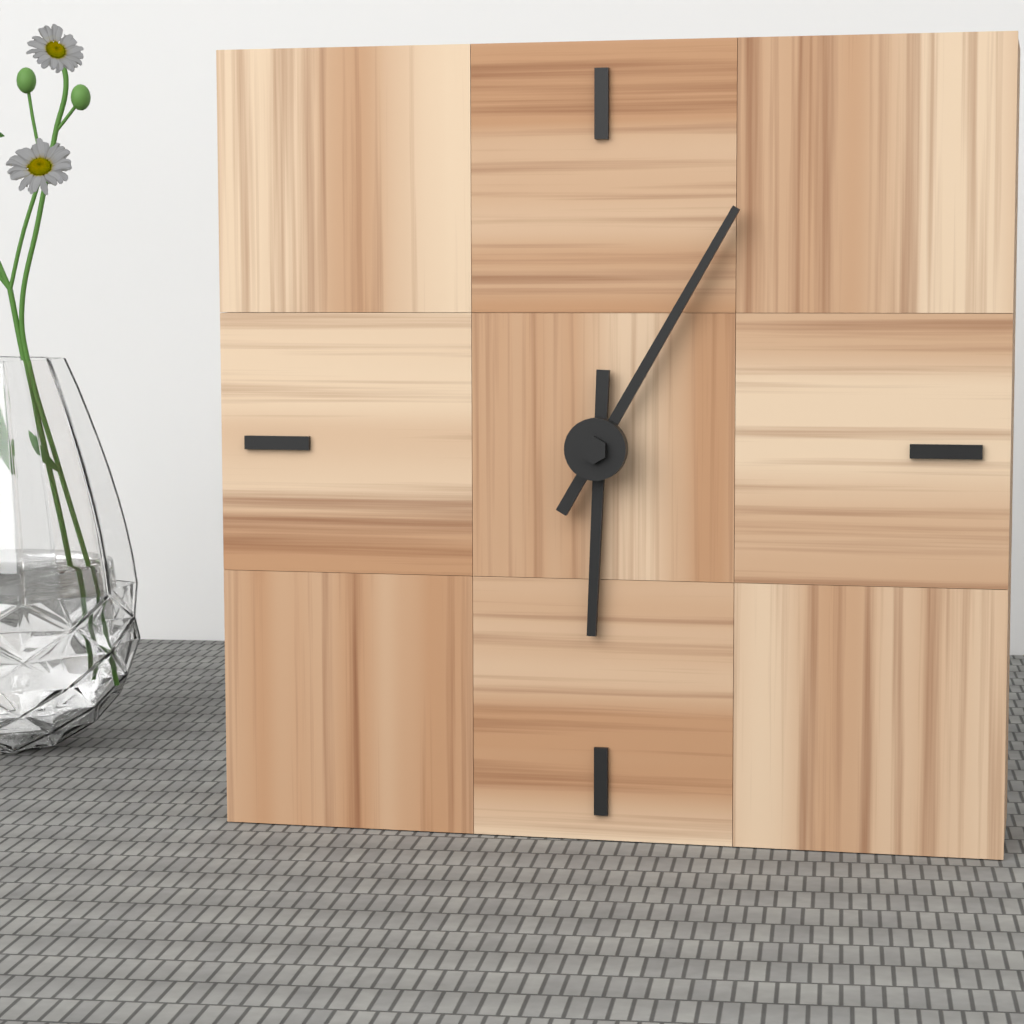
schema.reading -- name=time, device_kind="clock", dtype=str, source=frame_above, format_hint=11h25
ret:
6h05
